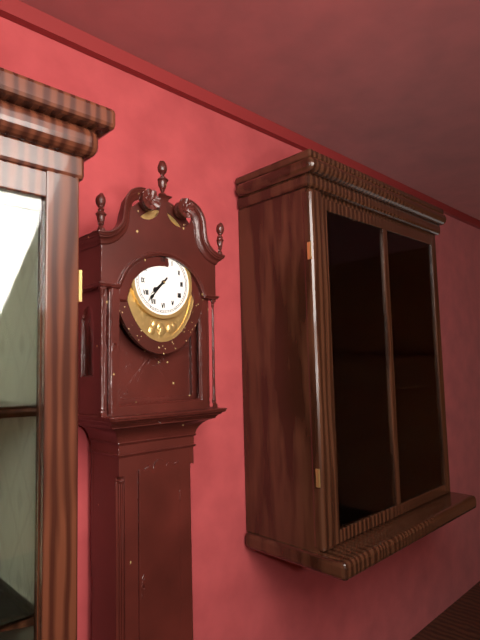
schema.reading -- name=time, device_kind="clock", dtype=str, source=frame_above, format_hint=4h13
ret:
7h37
